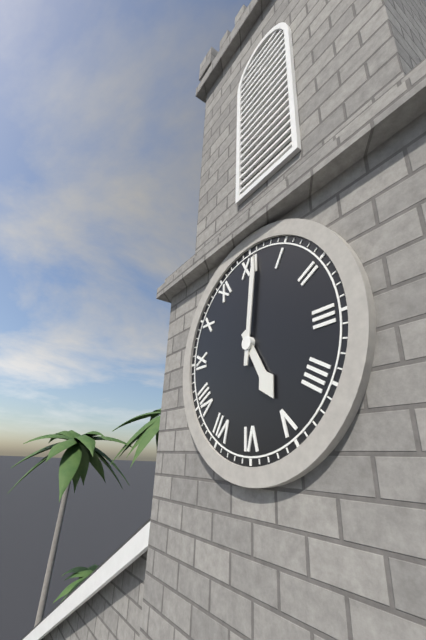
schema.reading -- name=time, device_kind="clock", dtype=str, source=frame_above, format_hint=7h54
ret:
5h01
